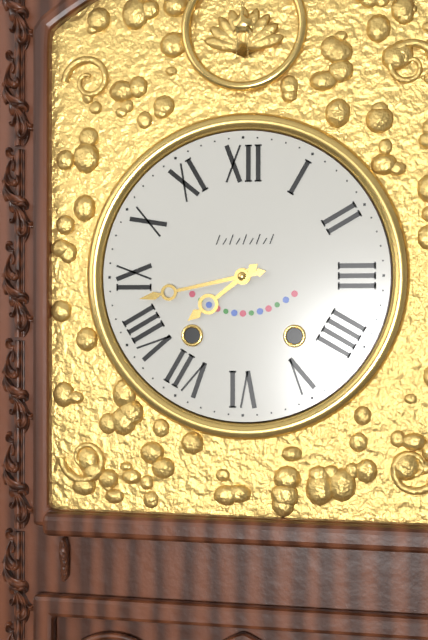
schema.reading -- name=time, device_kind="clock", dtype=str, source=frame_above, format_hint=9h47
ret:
7h43
